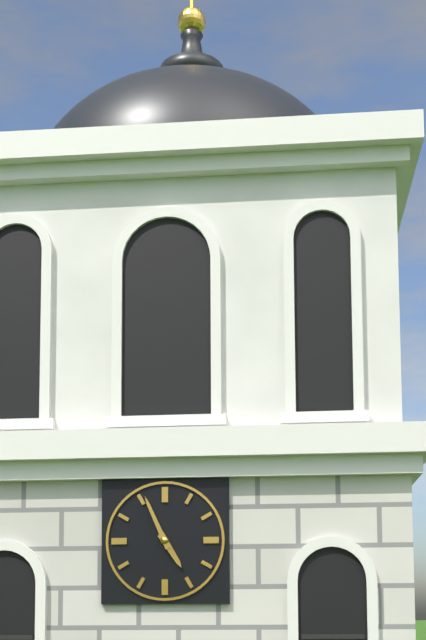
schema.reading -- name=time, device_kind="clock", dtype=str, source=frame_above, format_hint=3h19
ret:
4h56
